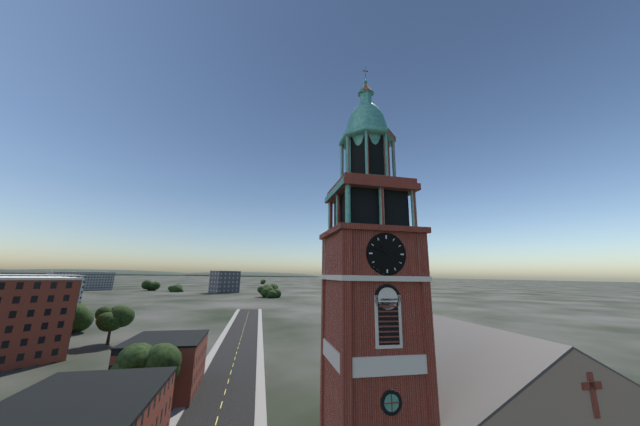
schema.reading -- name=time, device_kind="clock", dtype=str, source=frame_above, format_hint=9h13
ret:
10h49
